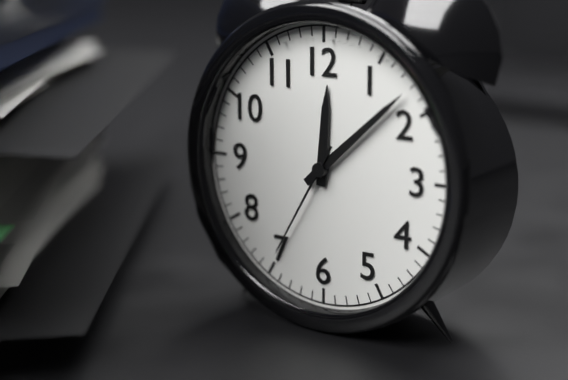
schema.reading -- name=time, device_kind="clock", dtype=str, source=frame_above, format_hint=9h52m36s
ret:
12h08m35s
